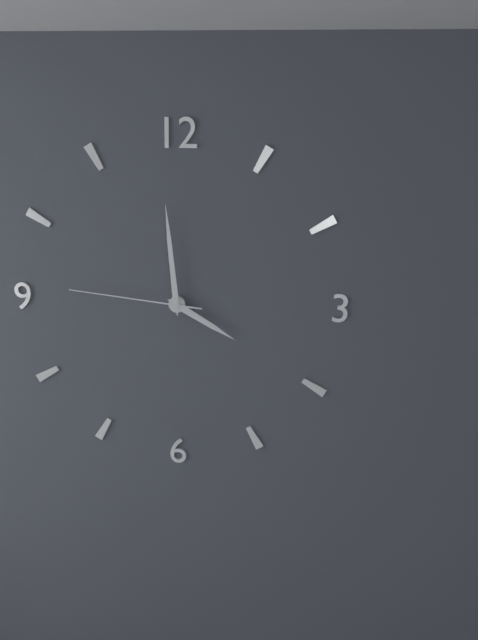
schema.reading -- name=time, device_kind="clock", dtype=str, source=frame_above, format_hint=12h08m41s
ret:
3h59m46s
